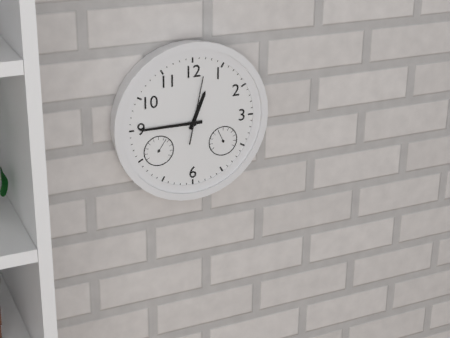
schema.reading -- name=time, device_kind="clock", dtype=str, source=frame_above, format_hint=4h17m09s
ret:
12h45m02s
